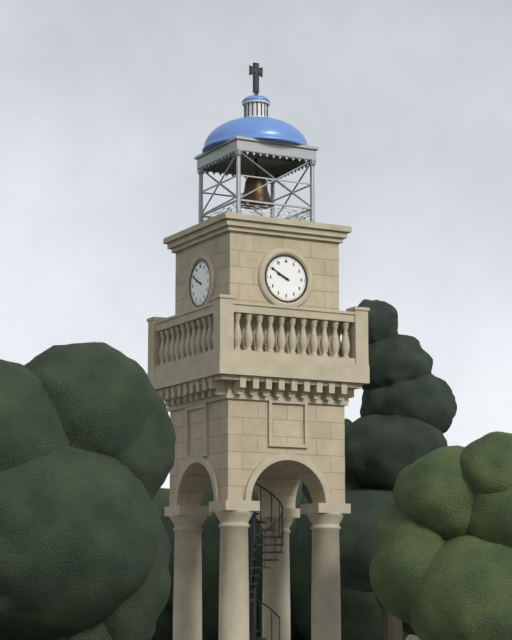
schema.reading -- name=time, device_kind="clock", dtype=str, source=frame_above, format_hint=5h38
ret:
9h50
